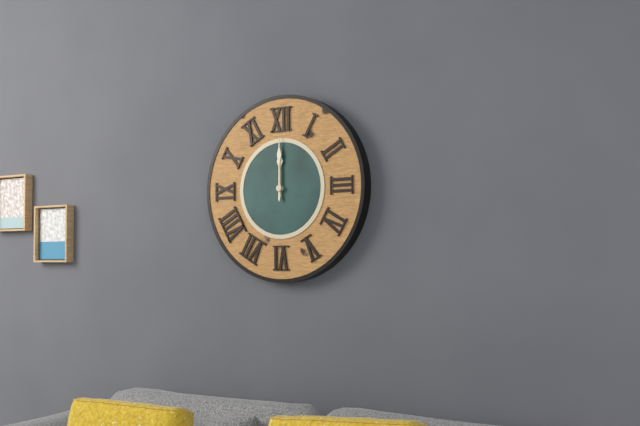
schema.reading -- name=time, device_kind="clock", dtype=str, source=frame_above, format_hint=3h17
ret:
12h00
